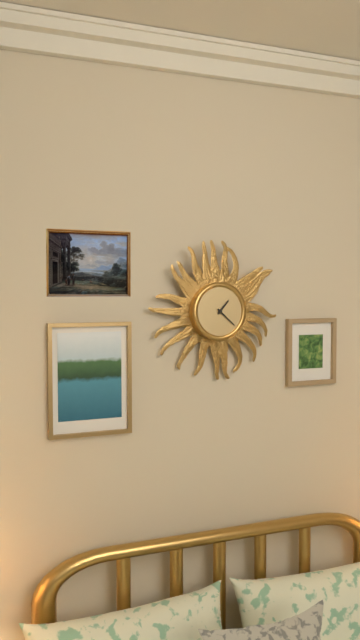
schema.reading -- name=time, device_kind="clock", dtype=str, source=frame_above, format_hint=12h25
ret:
1h22
